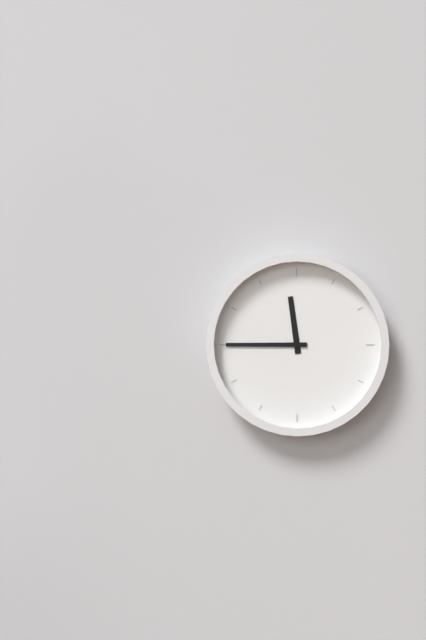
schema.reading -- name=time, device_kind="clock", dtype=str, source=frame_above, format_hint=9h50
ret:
11h45
